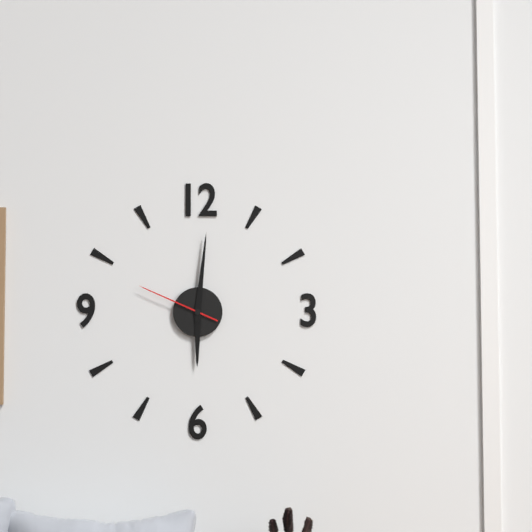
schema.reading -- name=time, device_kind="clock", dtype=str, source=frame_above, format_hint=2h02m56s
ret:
6h01m49s
